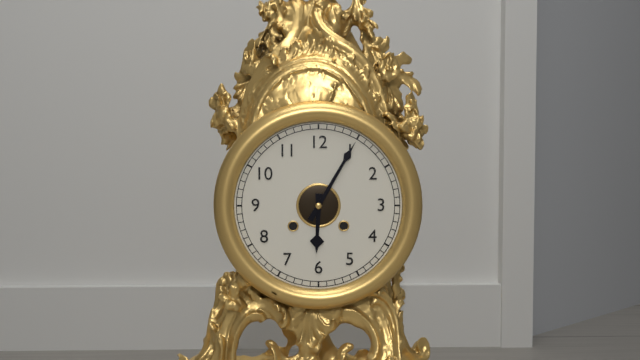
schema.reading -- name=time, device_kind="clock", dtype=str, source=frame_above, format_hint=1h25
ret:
6h05
